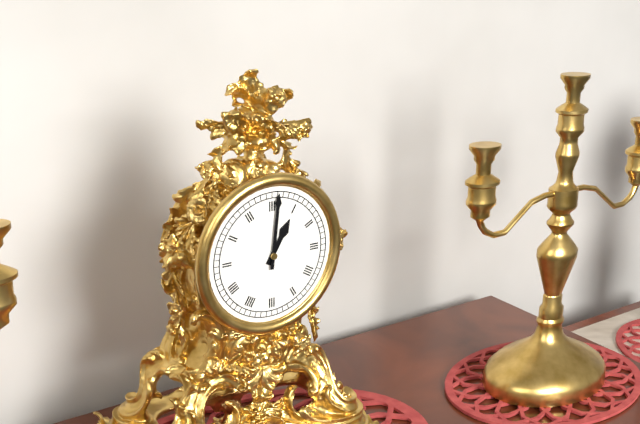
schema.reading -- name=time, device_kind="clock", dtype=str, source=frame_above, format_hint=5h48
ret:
1h01
